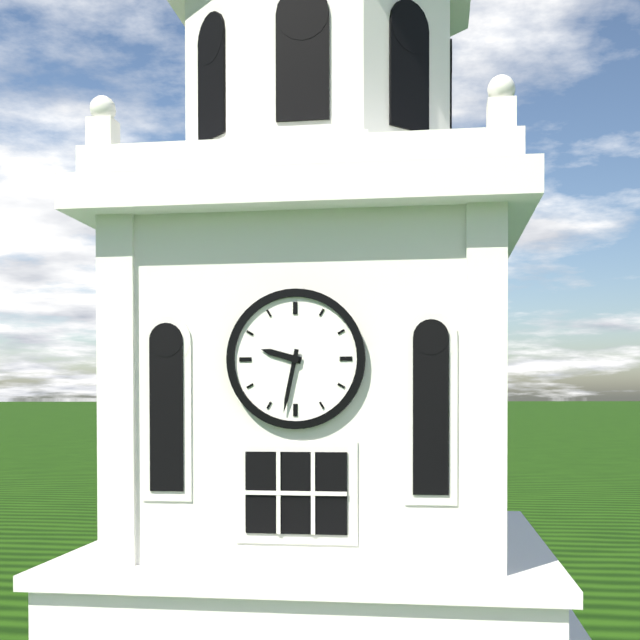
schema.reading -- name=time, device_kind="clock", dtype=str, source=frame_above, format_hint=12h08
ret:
9h32
